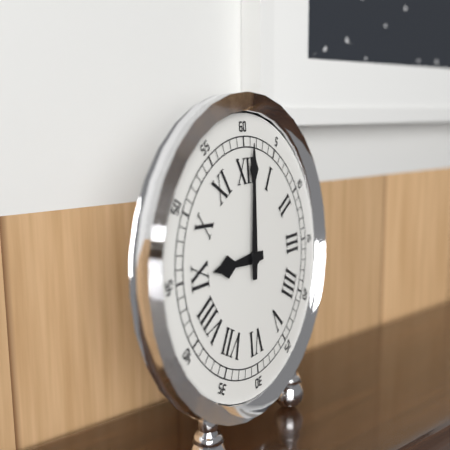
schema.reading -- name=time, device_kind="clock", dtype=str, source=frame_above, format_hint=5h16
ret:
9h01
